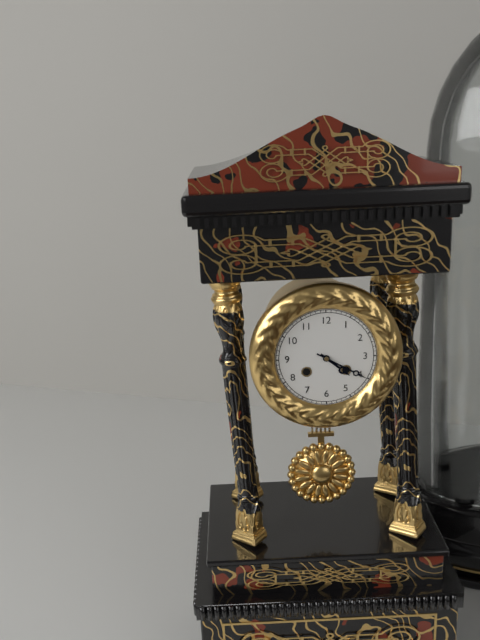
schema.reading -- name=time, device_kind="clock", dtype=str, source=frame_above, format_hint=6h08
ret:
4h20
